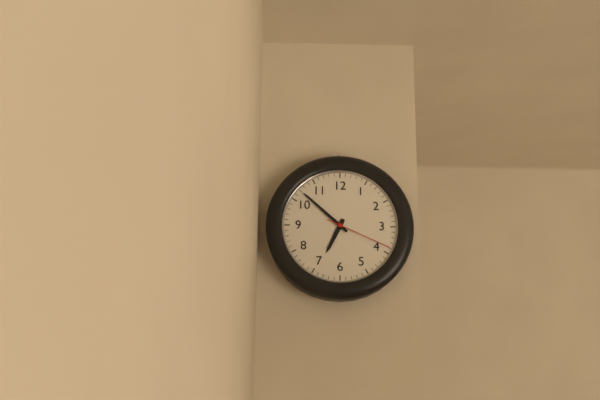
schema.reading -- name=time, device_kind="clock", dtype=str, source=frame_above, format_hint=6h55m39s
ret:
6h52m19s
